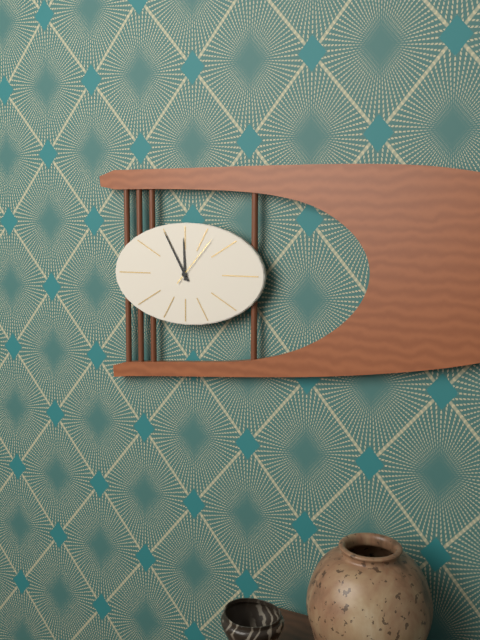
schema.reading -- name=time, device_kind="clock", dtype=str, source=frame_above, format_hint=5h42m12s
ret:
11h55m07s
